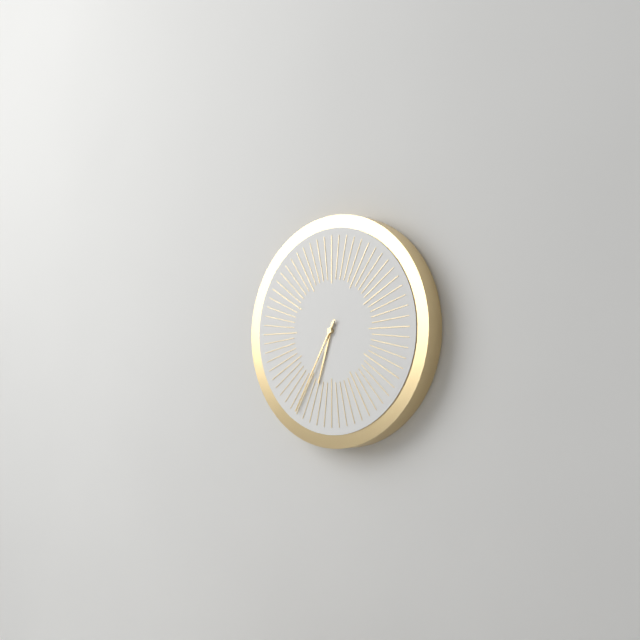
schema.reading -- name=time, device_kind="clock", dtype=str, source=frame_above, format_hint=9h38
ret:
6h35
